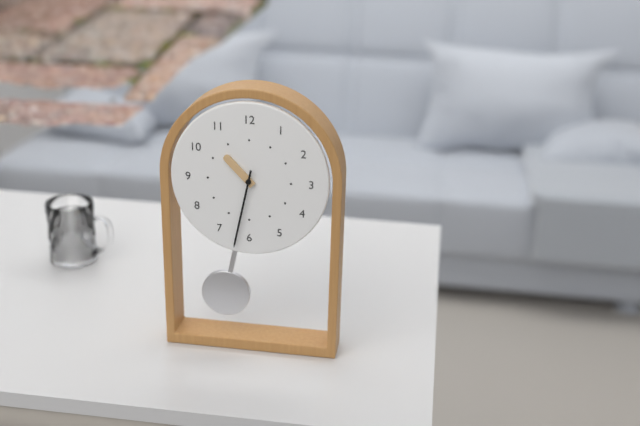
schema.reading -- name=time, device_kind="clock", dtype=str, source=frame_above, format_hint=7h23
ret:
10h32
